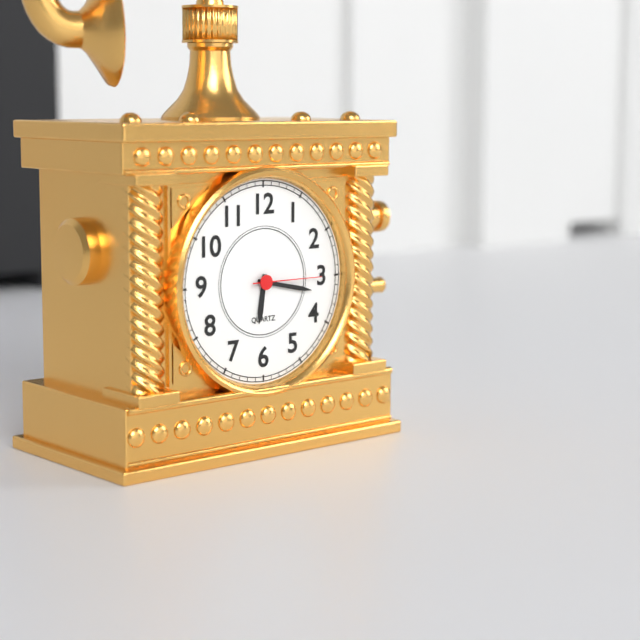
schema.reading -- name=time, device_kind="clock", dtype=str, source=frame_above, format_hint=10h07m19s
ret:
6h17m15s
